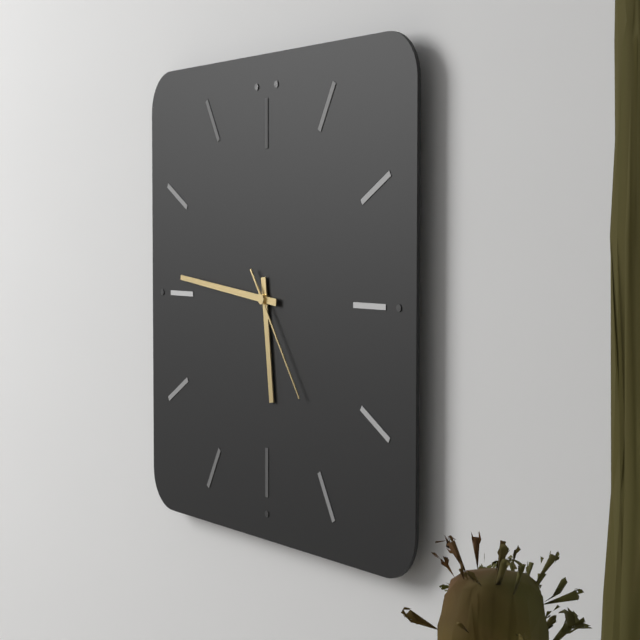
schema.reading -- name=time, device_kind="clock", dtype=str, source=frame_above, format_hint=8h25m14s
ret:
5h46m24s
